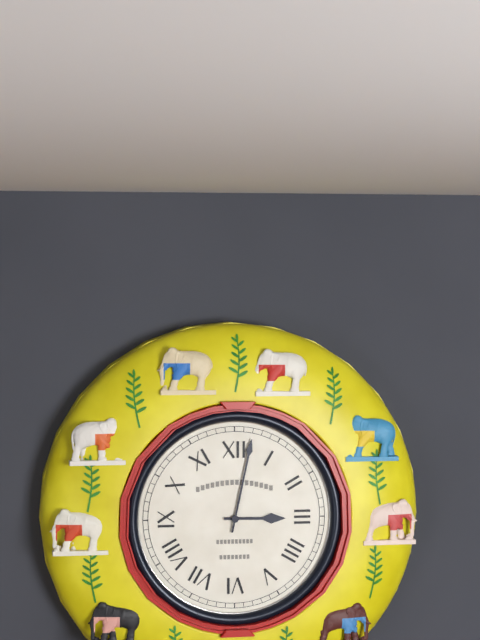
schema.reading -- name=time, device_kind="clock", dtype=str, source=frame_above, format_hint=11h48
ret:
3h02
